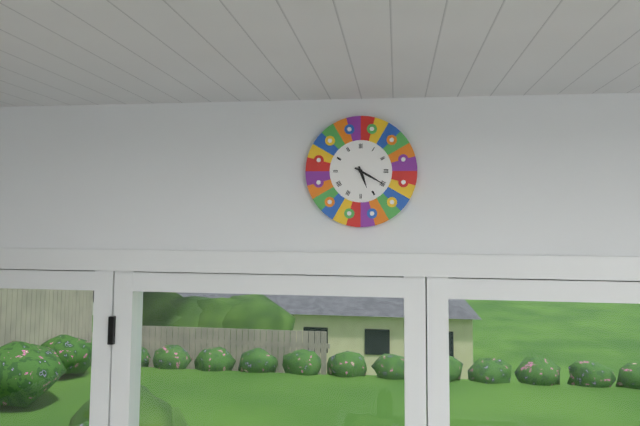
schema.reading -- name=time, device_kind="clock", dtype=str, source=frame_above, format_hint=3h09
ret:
5h20
